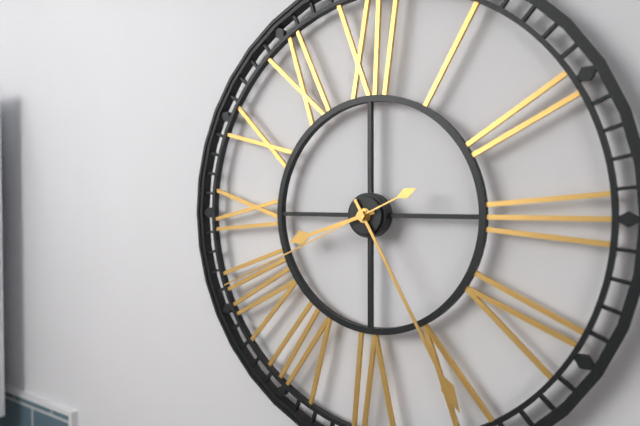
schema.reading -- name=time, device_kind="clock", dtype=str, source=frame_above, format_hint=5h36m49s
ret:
8h25m41s
